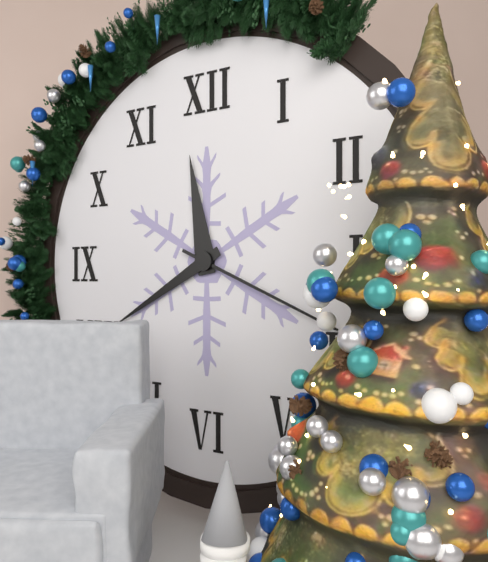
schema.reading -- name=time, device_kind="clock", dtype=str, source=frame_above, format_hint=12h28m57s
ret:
11h40m19s
